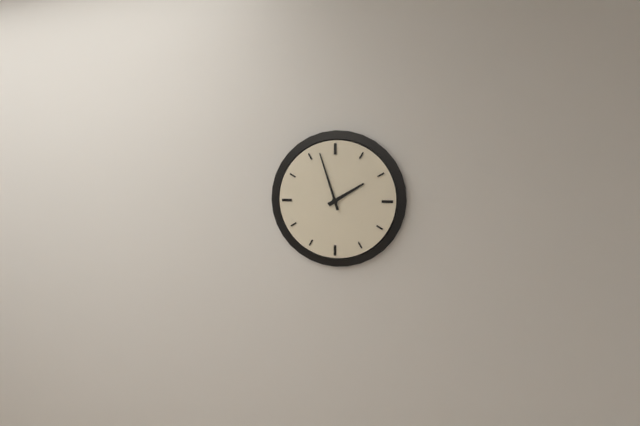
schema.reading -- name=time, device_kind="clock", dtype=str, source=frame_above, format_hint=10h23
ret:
1h57
